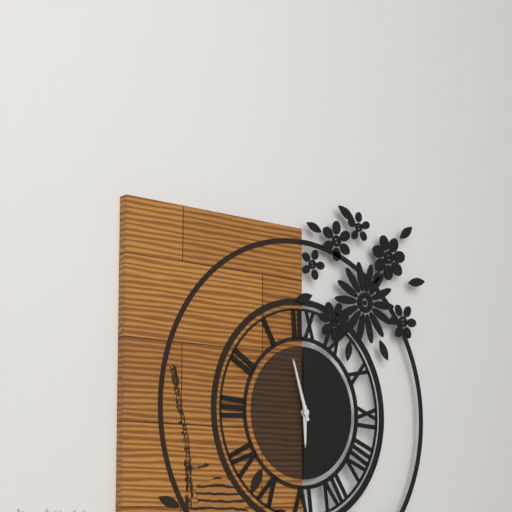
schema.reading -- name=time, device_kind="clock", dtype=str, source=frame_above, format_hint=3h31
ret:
5h57
